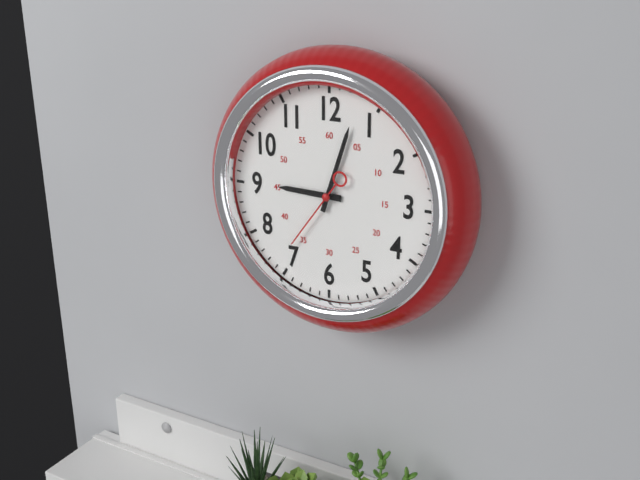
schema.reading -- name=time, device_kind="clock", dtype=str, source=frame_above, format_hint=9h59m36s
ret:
9h03m36s
